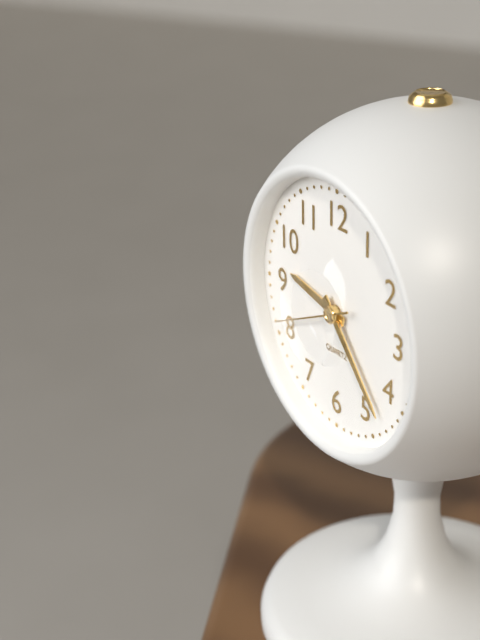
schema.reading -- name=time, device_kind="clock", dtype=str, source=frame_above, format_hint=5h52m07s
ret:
9h23m41s
